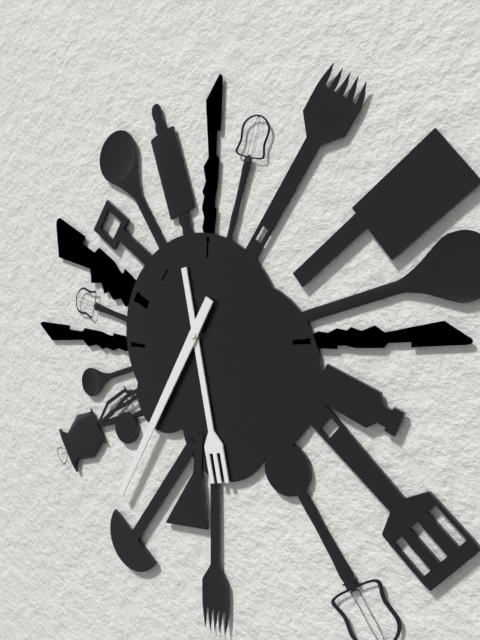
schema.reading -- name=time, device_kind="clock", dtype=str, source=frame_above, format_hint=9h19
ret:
5h35
